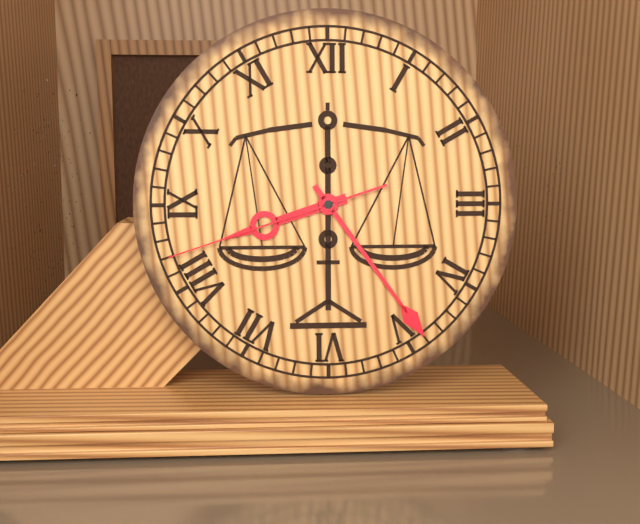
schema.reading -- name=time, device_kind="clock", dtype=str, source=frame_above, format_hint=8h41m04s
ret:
8h24m42s
